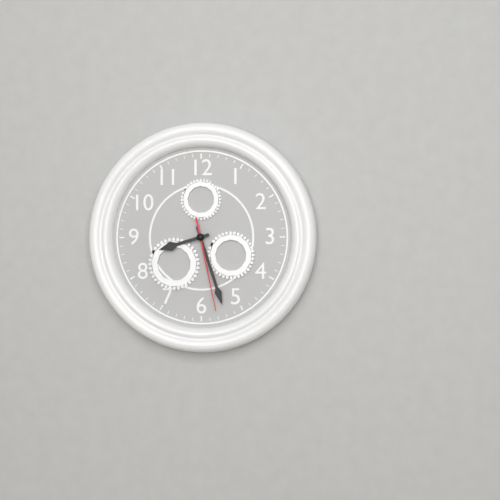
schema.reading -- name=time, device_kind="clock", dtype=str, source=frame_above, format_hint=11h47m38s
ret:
8h27m28s
